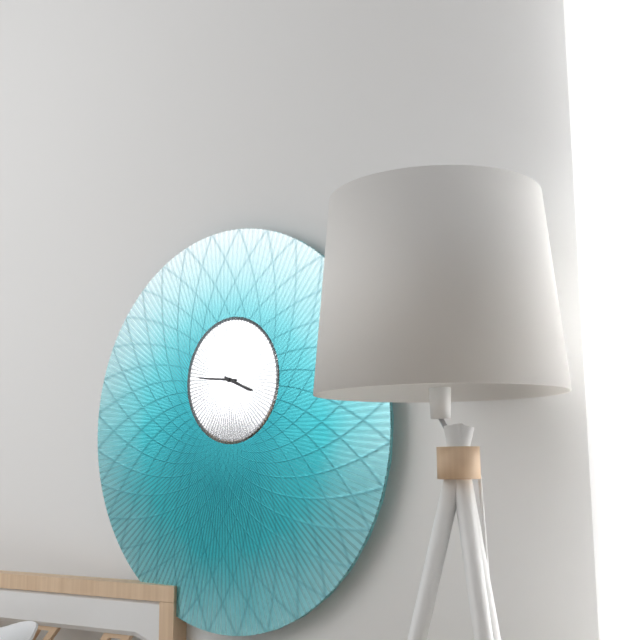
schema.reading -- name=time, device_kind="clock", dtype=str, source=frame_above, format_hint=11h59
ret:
3h46
